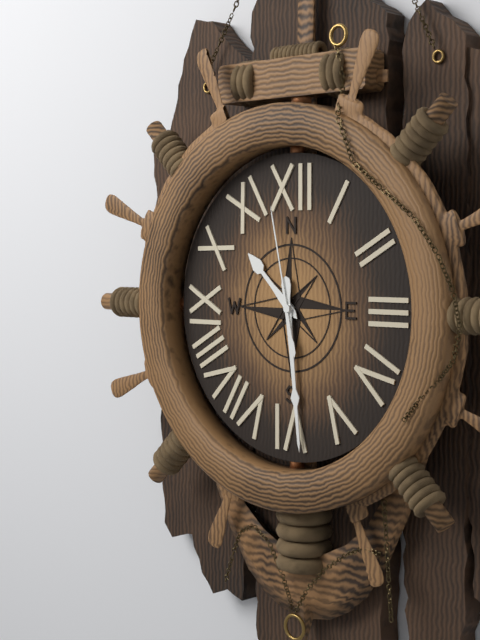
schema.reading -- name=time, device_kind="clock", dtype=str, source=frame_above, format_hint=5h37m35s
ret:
10h29m58s
